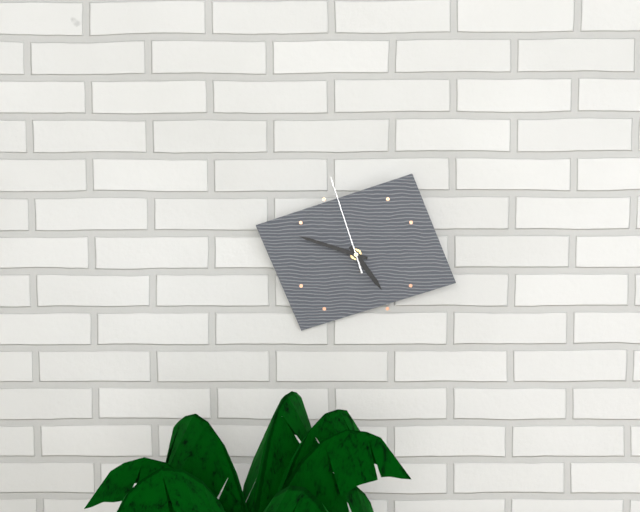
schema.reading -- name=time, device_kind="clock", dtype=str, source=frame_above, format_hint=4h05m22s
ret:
4h48m57s
